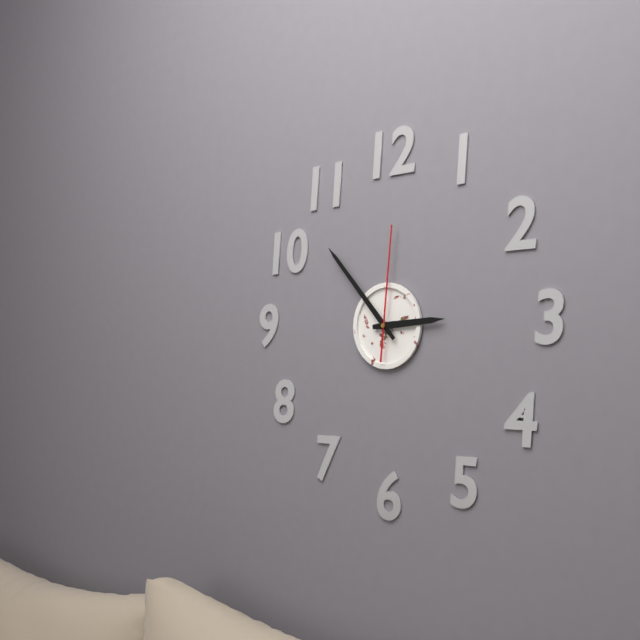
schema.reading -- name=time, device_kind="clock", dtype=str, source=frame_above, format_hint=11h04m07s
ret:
2h53m01s
